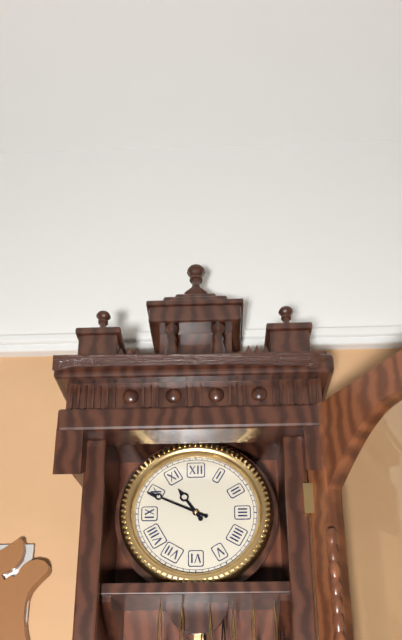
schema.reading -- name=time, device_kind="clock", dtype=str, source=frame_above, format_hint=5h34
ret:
10h49
